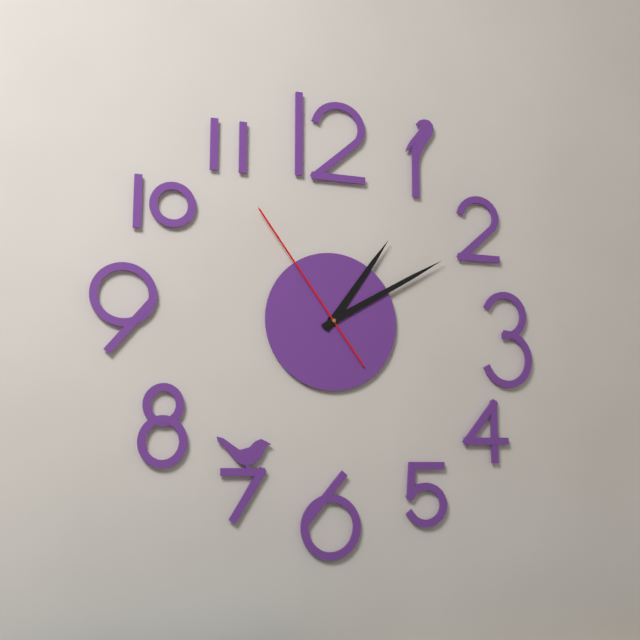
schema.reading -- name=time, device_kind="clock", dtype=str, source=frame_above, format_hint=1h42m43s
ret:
1h10m54s
